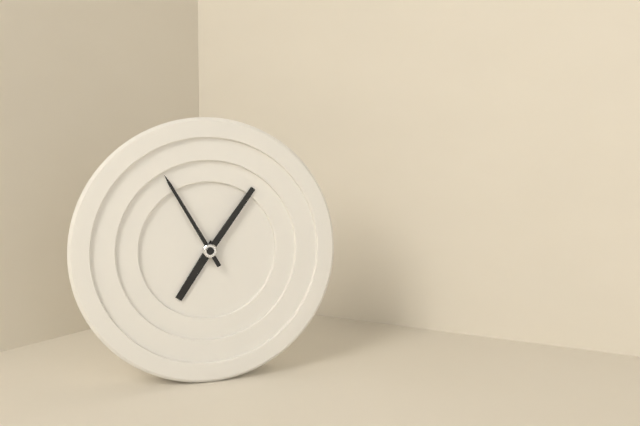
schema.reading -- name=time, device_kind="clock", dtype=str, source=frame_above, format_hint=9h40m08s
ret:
7h06m55s
